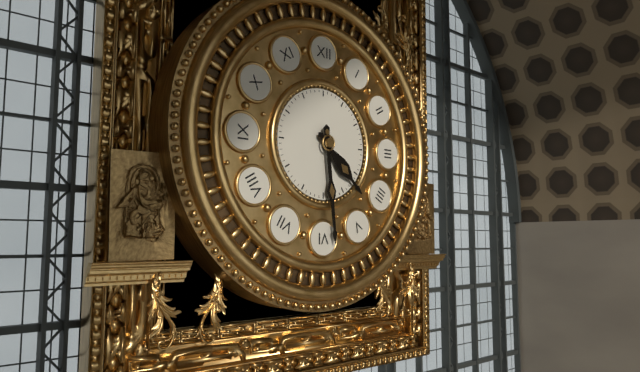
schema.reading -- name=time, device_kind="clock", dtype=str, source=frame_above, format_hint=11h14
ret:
4h29
